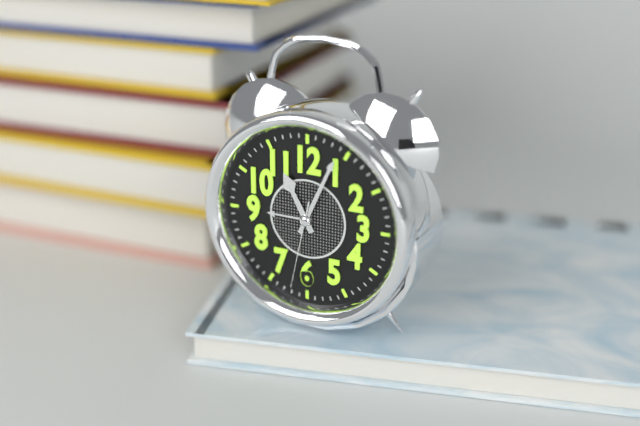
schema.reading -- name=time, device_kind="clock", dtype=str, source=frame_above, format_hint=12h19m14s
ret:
11h04m32s
